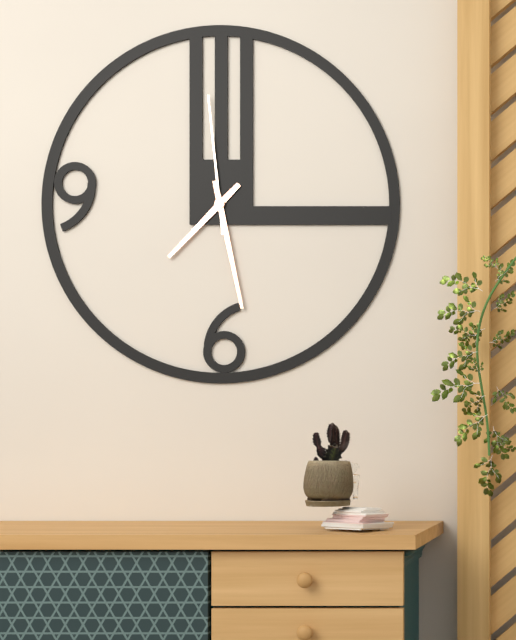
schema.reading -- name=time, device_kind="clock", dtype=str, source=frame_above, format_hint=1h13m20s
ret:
7h28m59s
